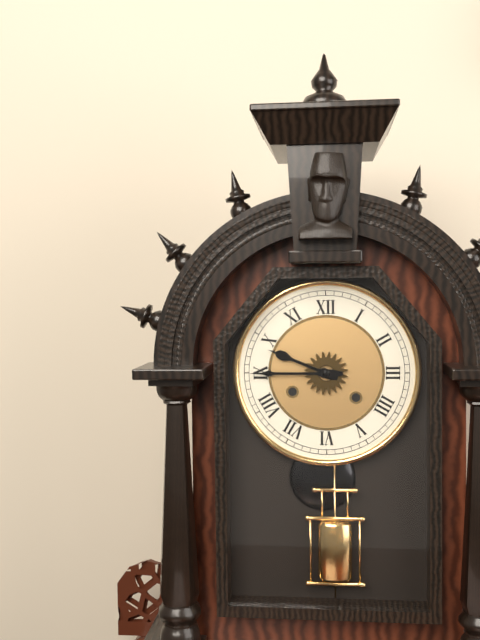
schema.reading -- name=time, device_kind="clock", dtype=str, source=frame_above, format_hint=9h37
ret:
9h45
